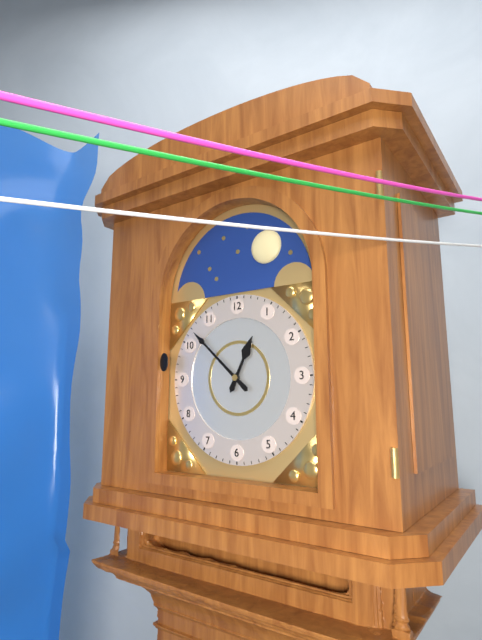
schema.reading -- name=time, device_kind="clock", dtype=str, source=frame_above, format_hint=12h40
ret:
12h52
